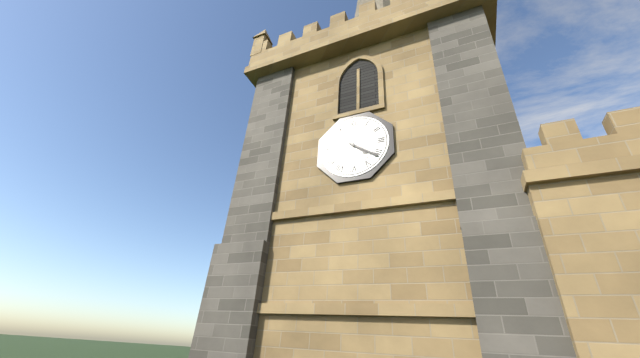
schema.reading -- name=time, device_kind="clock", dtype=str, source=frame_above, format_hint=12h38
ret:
4h21
